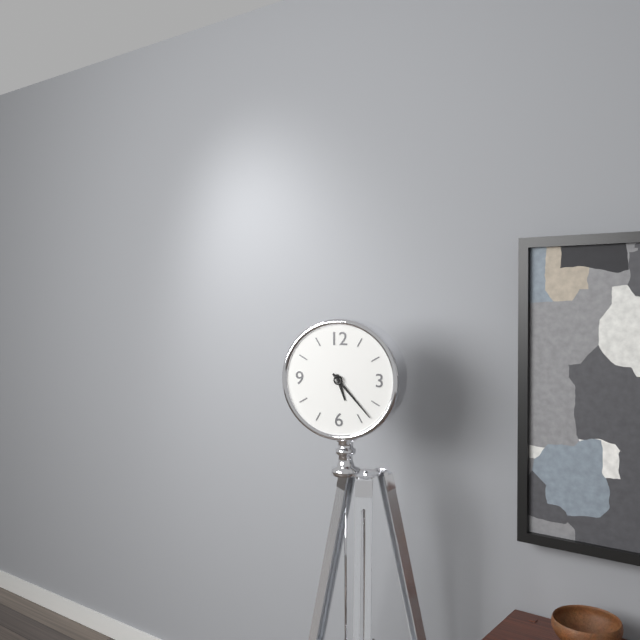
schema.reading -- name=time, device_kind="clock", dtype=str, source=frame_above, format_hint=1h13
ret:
5h23
